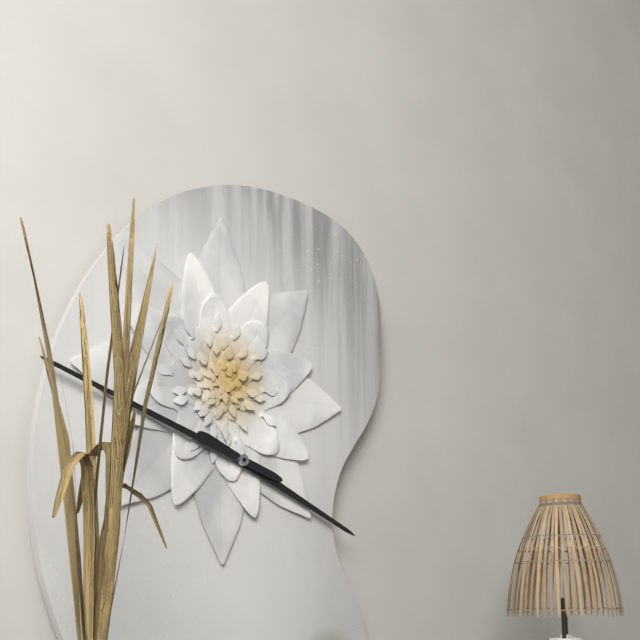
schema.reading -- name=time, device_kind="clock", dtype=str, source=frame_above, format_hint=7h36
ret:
3h48
